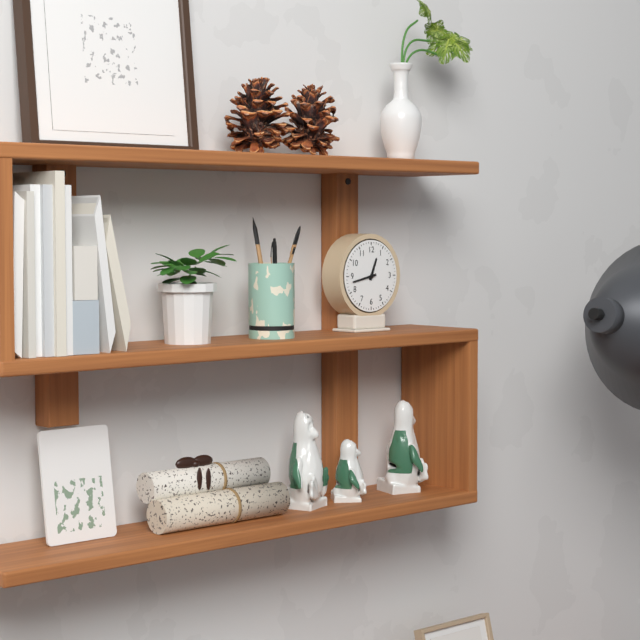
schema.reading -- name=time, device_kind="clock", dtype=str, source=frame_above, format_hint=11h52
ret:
12h43
